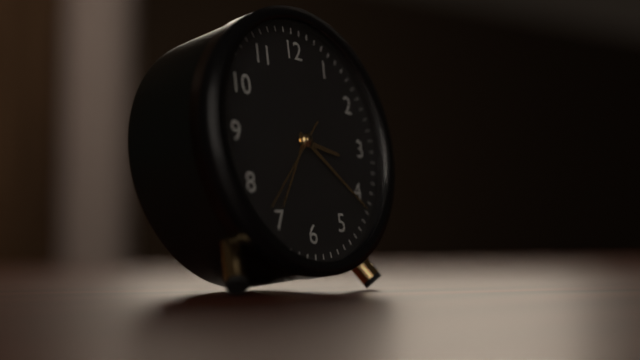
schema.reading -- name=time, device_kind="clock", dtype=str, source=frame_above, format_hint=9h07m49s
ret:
3h21m37s
